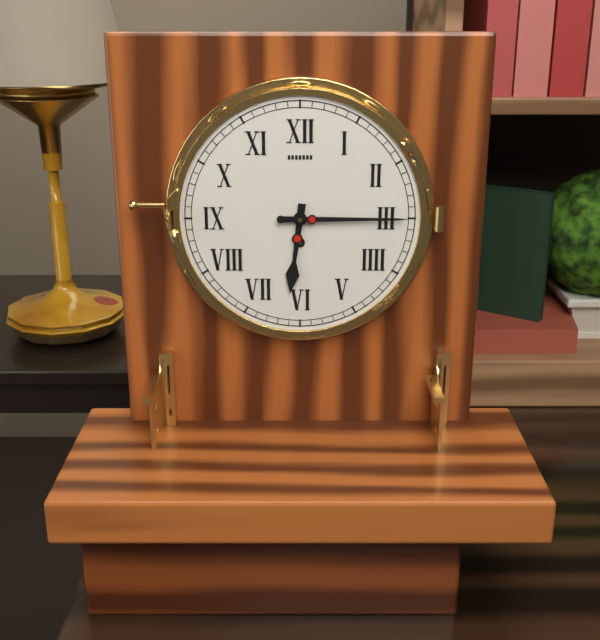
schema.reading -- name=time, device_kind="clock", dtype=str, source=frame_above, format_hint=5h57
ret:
6h15
